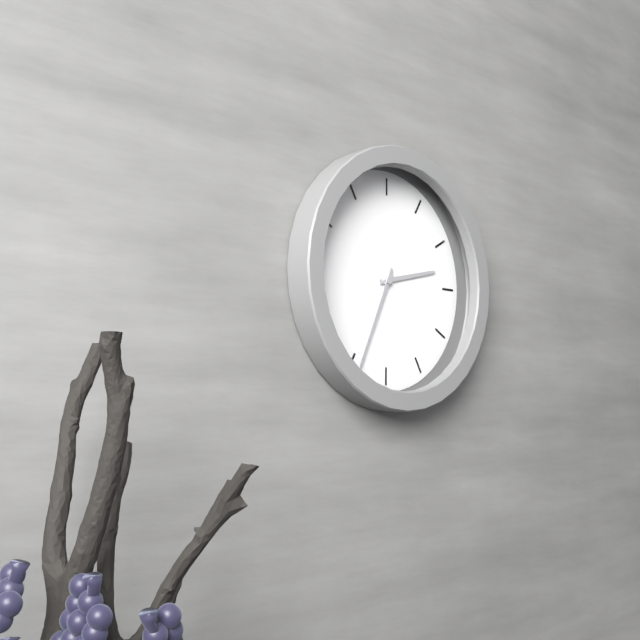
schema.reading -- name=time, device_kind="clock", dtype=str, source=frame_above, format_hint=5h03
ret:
2h34
